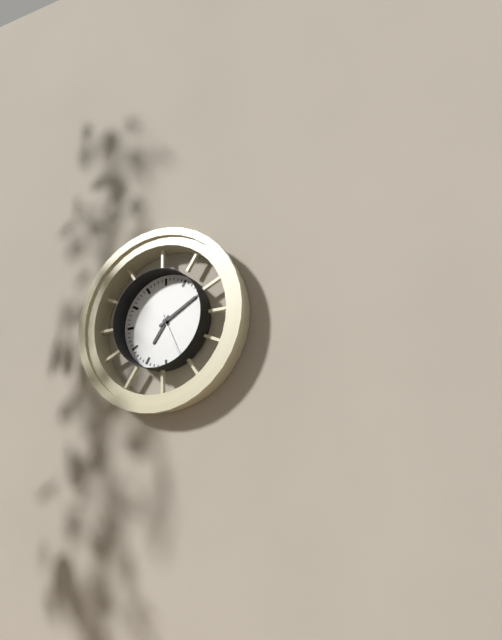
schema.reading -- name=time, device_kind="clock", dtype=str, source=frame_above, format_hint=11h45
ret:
7h10
